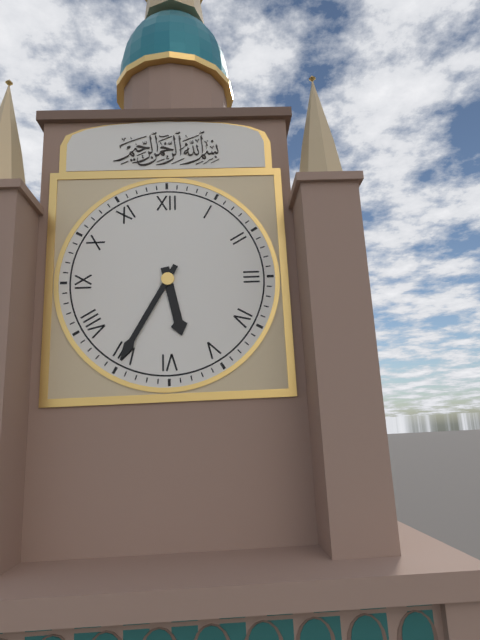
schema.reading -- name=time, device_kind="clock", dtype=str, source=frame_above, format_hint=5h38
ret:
5h35
